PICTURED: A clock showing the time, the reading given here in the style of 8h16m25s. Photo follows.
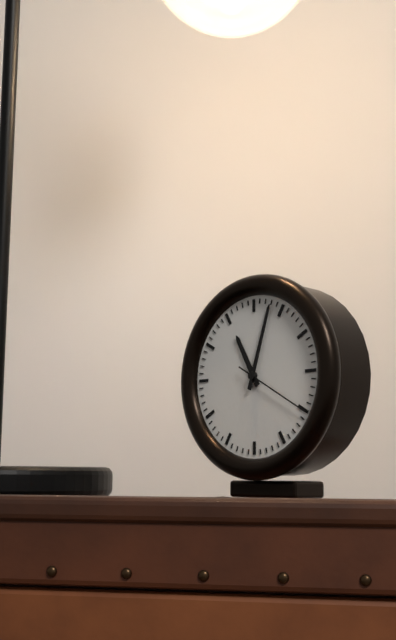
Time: 11h03m20s
